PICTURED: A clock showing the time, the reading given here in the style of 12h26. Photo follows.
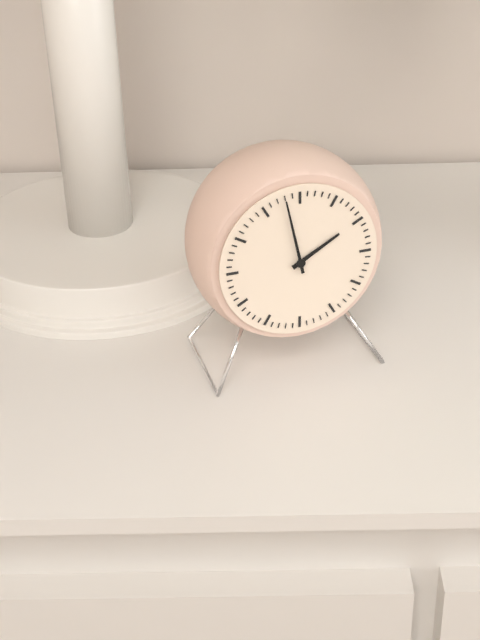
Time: 1h58
